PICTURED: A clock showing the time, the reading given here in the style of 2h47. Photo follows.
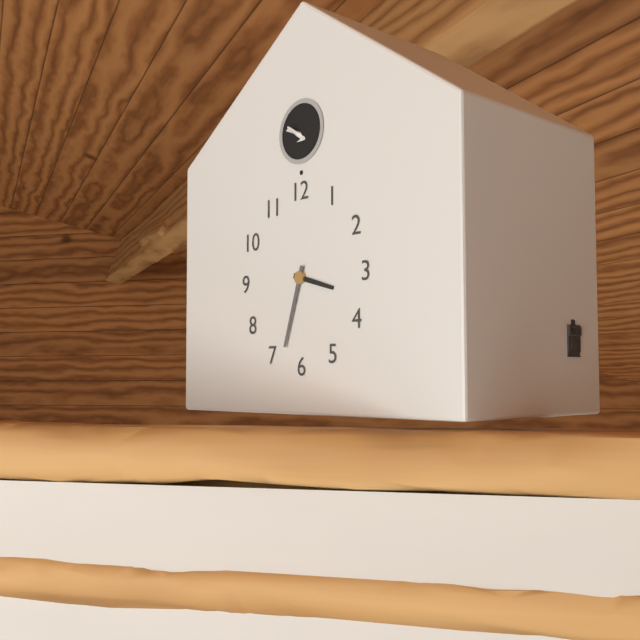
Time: 3h33
